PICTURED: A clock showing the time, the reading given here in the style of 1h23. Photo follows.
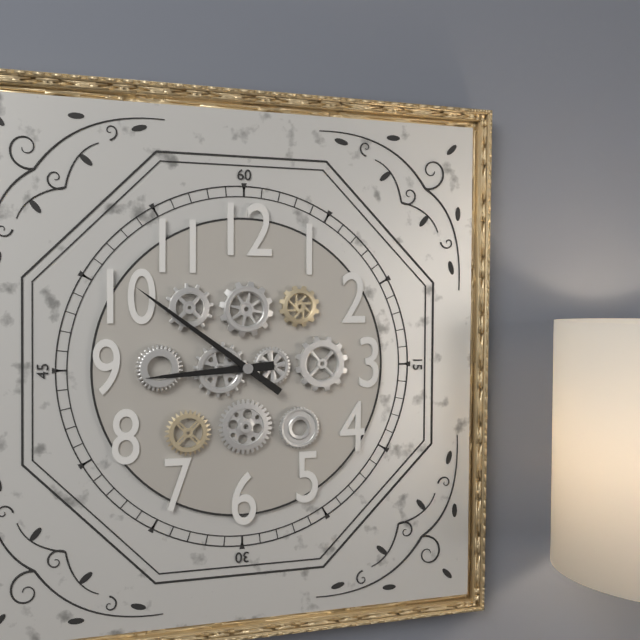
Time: 8h51
